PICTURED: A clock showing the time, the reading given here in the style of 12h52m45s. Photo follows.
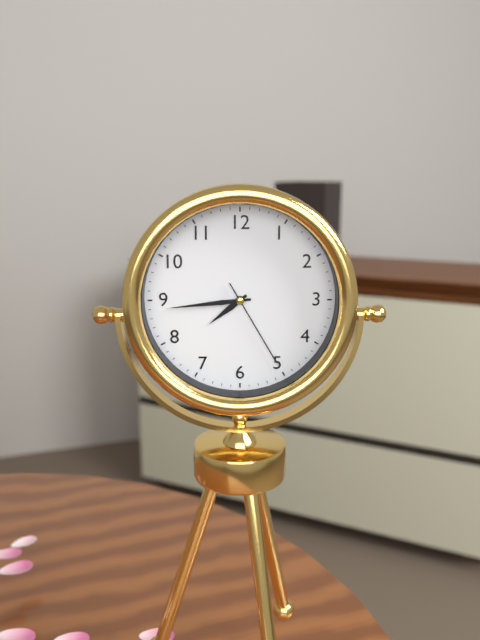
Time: 7h44m25s
